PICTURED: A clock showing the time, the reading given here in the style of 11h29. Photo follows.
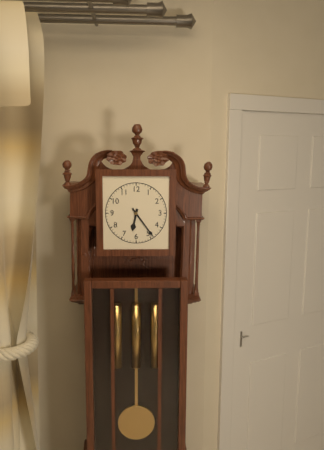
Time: 6h24
